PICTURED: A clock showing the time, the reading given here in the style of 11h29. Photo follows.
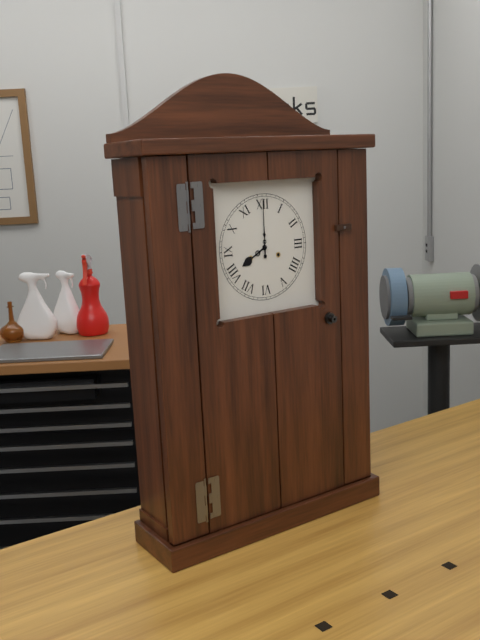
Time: 8h00
